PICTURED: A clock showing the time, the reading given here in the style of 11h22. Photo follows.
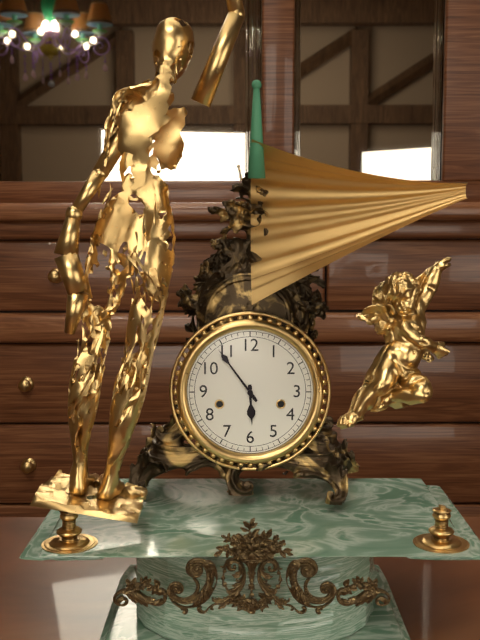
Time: 5h54
